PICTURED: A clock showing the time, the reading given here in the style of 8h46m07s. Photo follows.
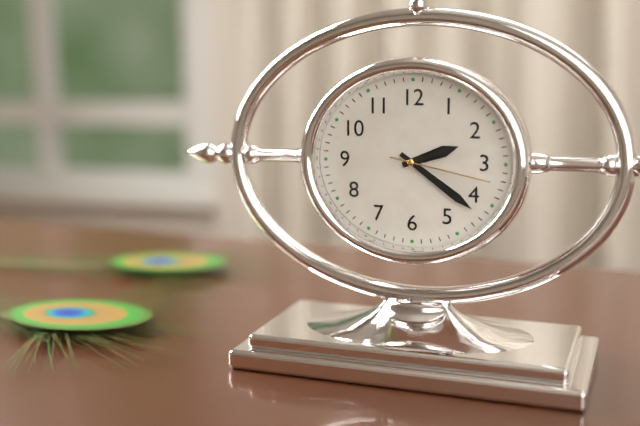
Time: 2h21m17s
